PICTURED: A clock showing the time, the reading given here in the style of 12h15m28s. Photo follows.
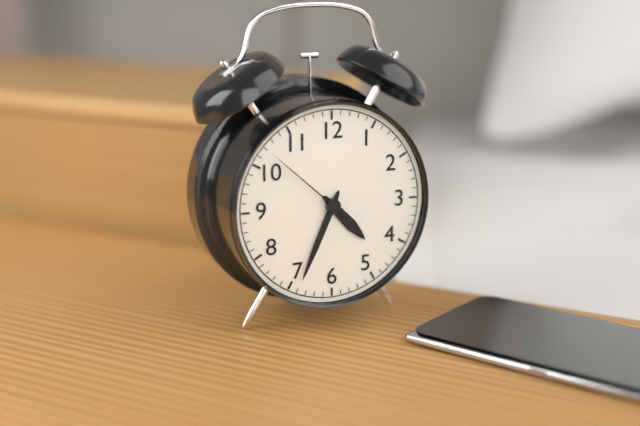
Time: 4h34m52s
